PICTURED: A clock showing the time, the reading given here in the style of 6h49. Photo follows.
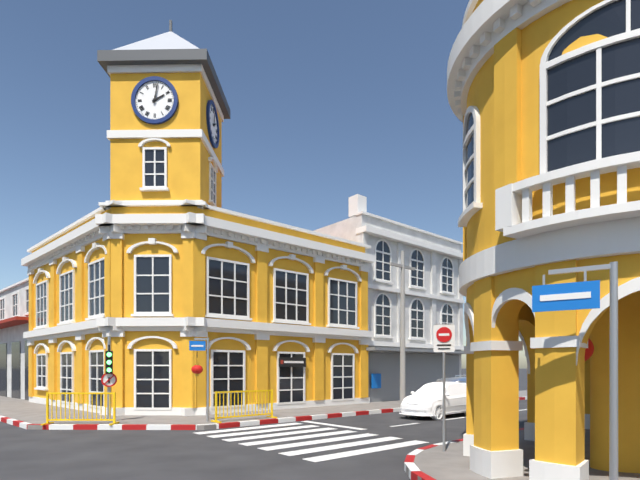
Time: 2h02
